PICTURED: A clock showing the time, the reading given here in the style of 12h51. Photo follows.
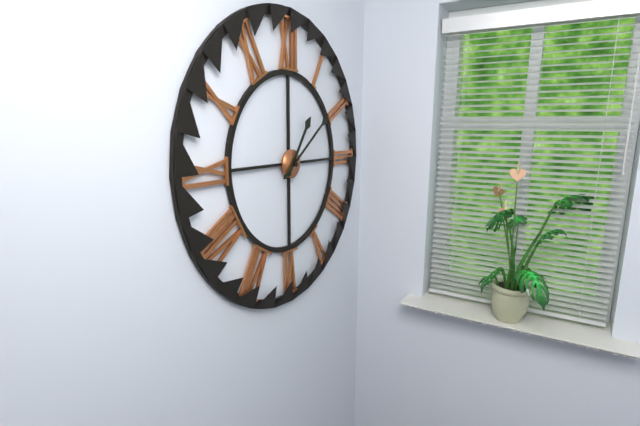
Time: 1h09
